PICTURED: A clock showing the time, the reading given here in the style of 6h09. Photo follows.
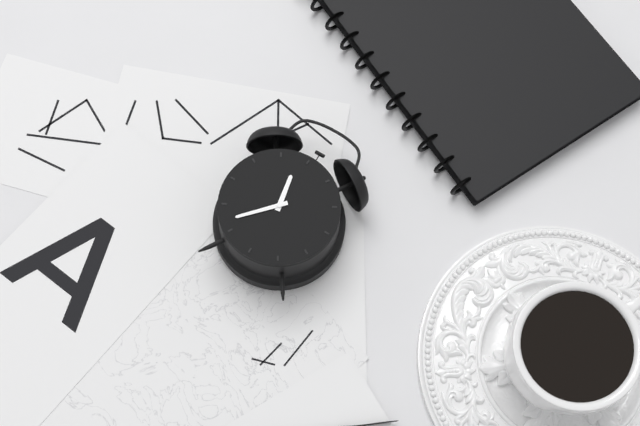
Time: 11h37
